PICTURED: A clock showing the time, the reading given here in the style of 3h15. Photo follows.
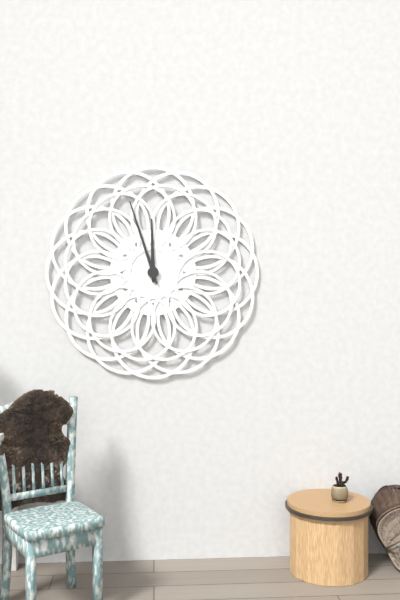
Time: 11h57
